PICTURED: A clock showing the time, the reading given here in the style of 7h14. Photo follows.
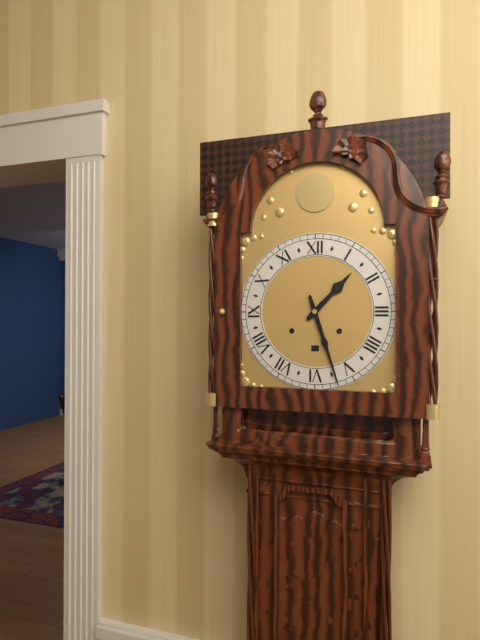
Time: 1h27
